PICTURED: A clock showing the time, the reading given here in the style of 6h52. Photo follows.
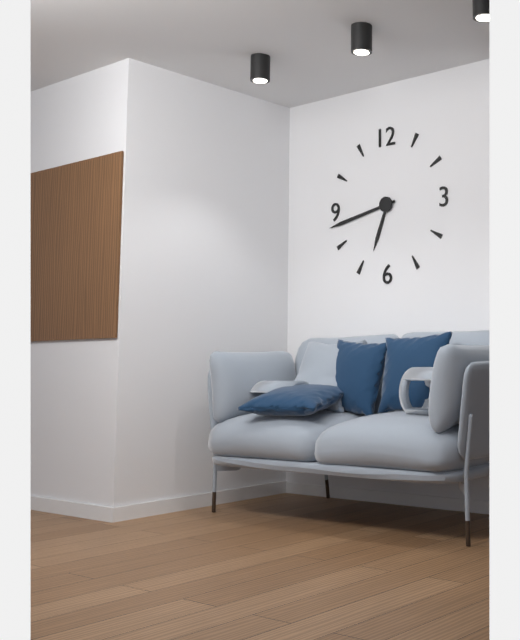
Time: 6h43
